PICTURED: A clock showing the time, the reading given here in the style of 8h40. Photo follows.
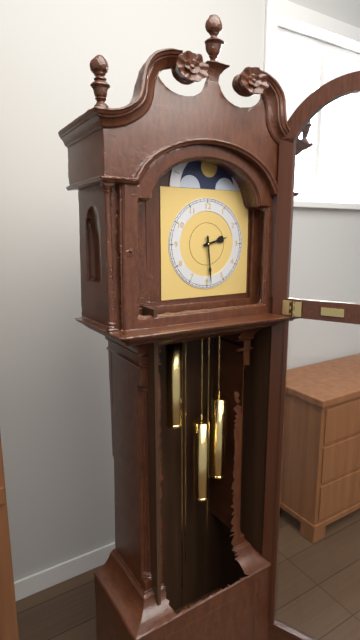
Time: 2h29
